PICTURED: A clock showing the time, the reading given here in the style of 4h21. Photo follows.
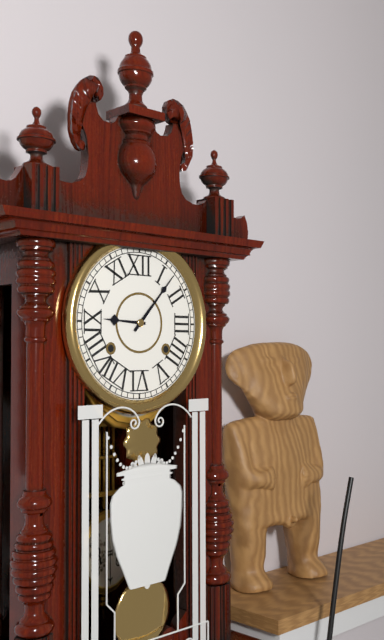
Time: 9h07
